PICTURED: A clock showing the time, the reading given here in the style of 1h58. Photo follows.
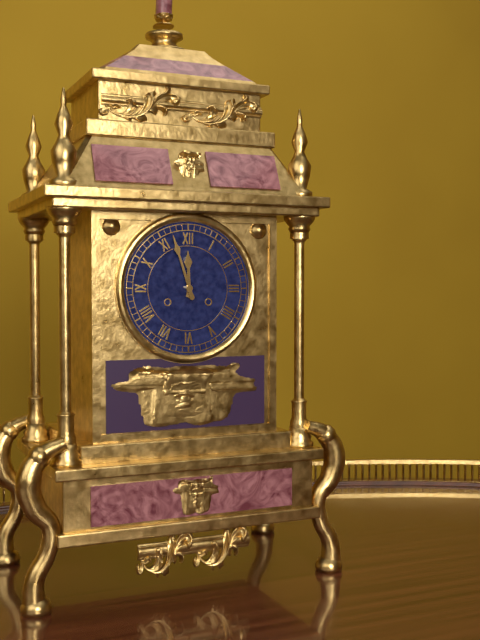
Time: 11h57
